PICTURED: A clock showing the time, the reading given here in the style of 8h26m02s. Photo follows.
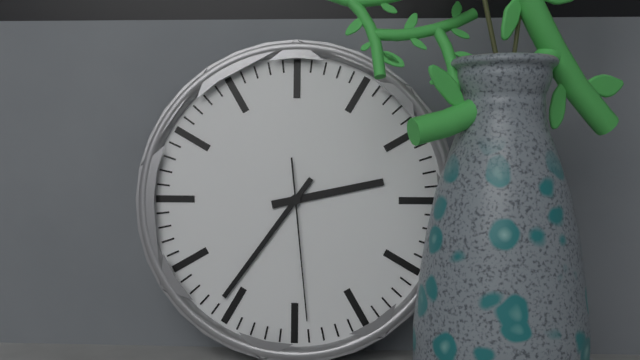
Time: 2h36m29s
